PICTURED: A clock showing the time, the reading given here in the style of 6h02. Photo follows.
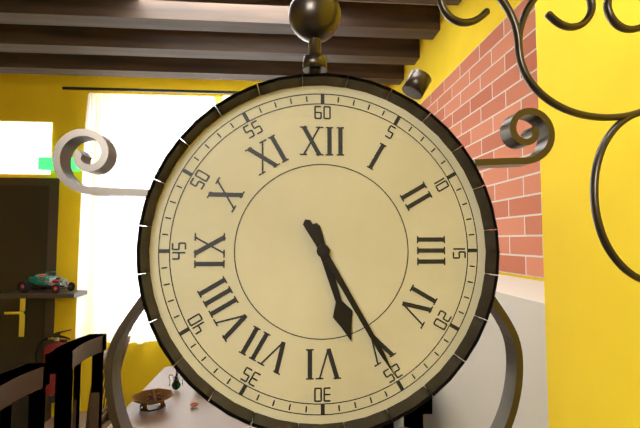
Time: 5h25
